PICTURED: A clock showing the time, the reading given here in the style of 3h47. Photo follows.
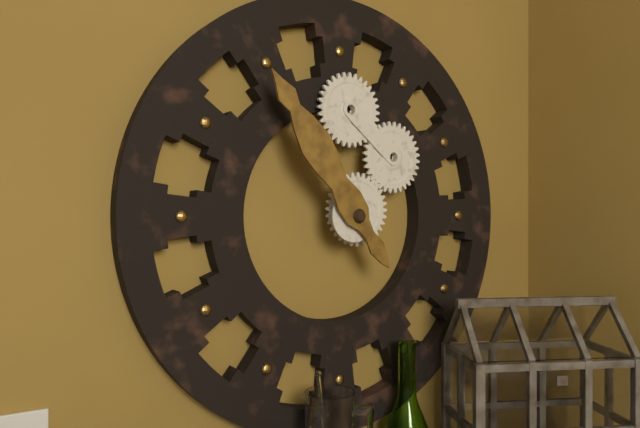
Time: 10h54
